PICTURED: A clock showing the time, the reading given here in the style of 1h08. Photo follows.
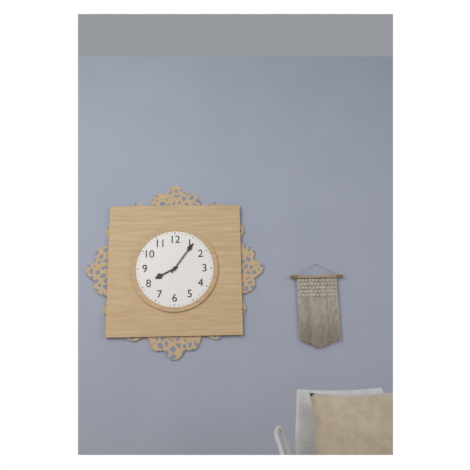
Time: 8h06
